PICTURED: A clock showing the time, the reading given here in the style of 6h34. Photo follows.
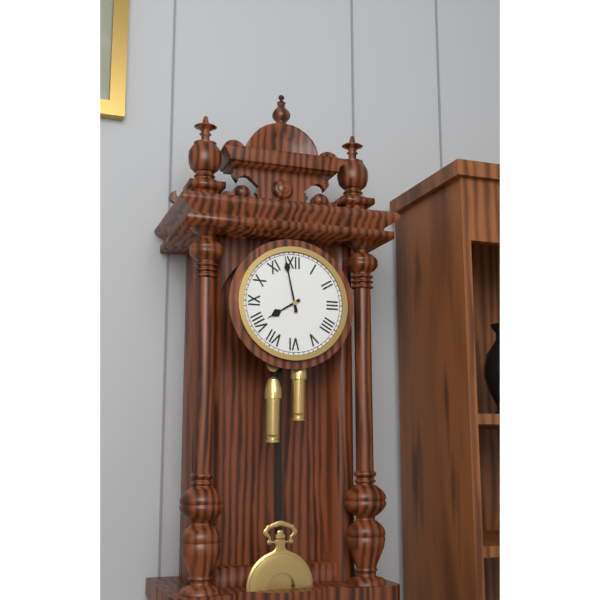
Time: 7h58
